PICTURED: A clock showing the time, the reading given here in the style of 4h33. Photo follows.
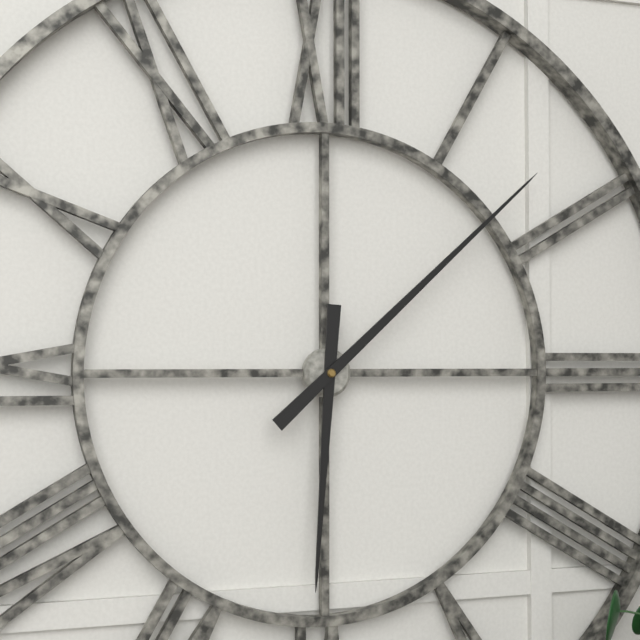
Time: 6h08
